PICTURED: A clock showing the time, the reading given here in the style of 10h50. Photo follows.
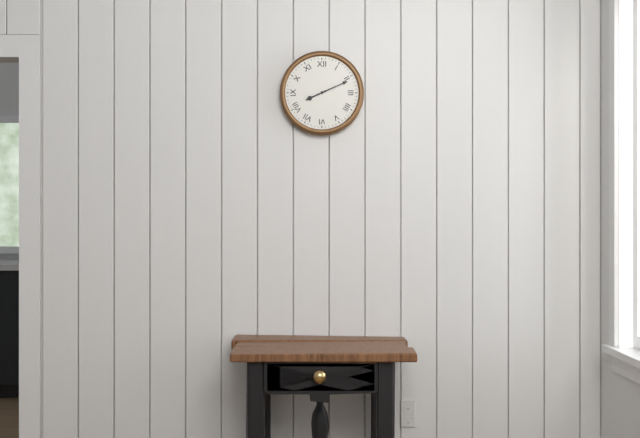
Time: 8h11
